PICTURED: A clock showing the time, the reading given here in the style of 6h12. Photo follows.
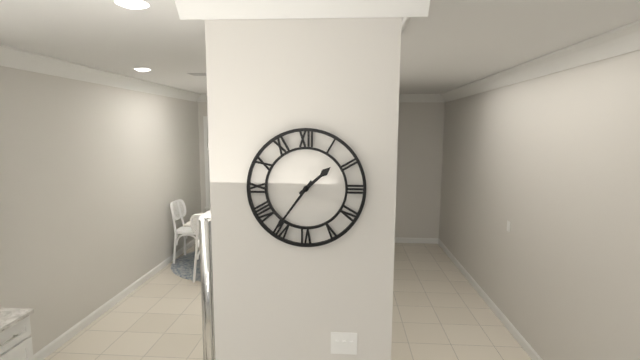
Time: 1h36
